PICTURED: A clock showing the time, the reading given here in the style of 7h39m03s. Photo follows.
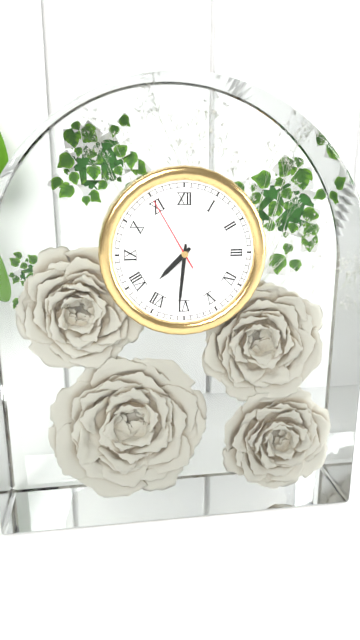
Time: 7h31m55s
